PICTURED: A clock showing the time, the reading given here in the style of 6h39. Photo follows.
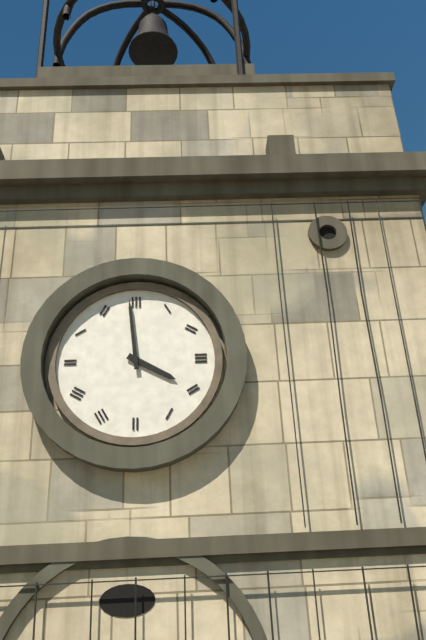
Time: 3h59
